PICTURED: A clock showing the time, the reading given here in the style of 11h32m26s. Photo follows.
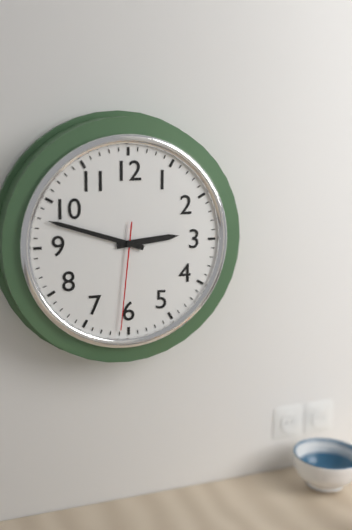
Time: 2h48m31s
